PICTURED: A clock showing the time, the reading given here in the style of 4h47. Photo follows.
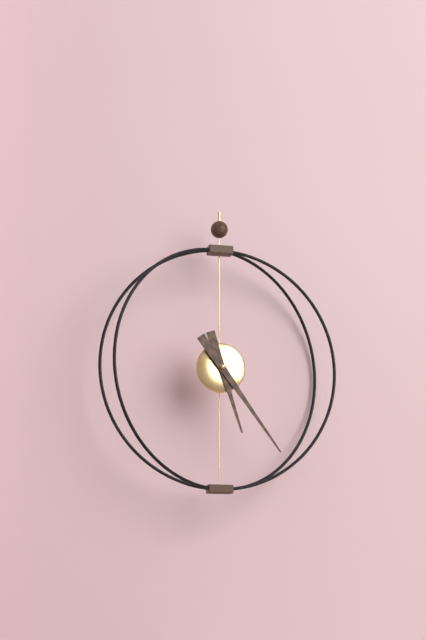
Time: 5h24
